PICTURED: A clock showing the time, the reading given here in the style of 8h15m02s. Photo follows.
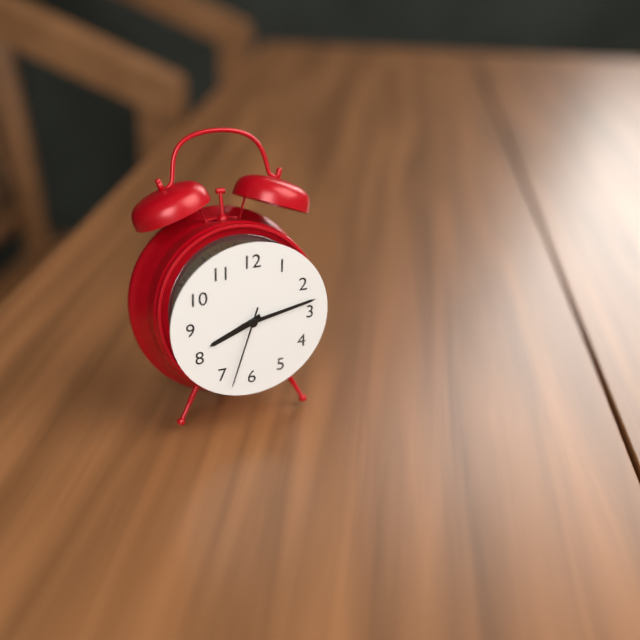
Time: 8h13m33s
